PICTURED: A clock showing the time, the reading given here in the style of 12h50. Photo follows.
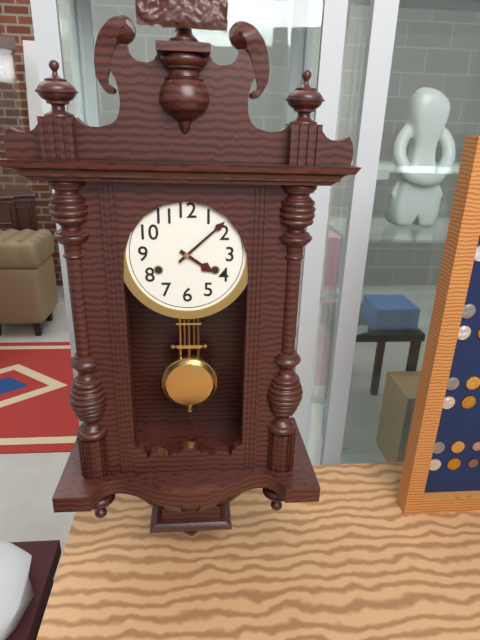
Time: 4h08
